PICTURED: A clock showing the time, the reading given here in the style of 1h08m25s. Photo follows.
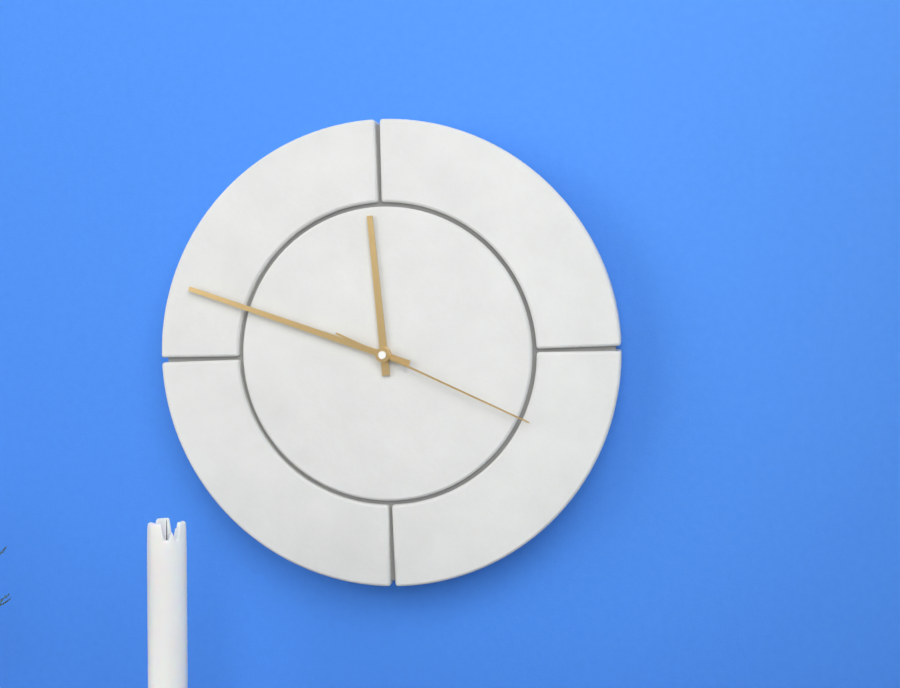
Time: 11h48m19s
